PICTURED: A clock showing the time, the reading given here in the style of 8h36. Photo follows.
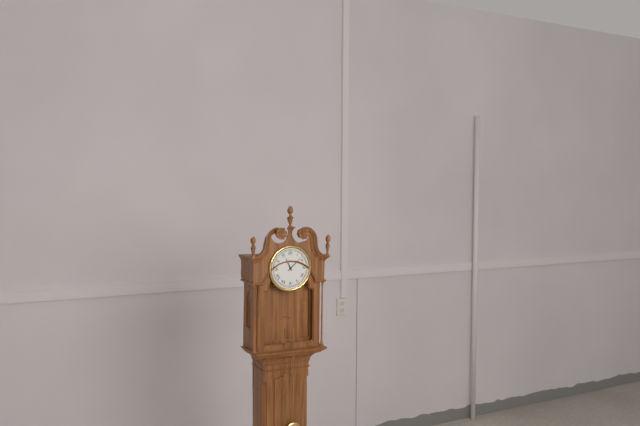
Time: 11h08
